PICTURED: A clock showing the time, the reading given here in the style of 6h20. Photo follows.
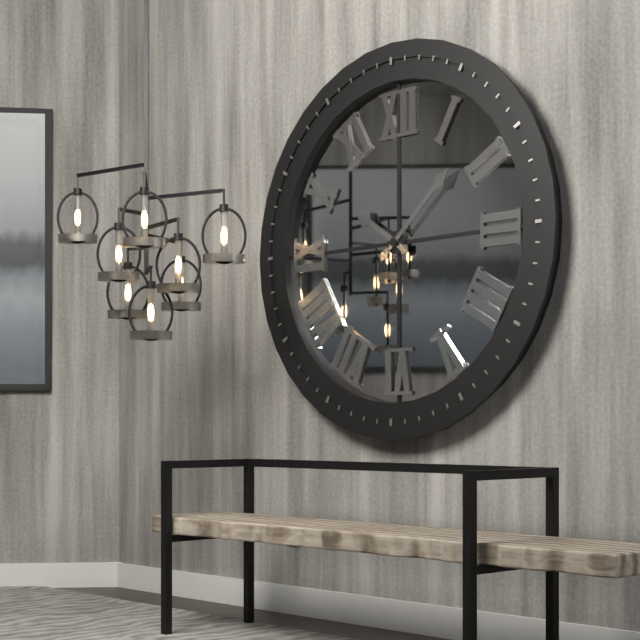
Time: 10h08
